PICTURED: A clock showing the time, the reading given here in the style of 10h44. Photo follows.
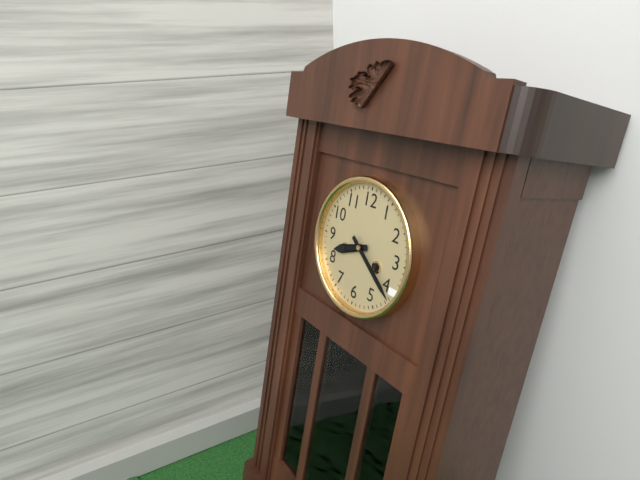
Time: 8h21
